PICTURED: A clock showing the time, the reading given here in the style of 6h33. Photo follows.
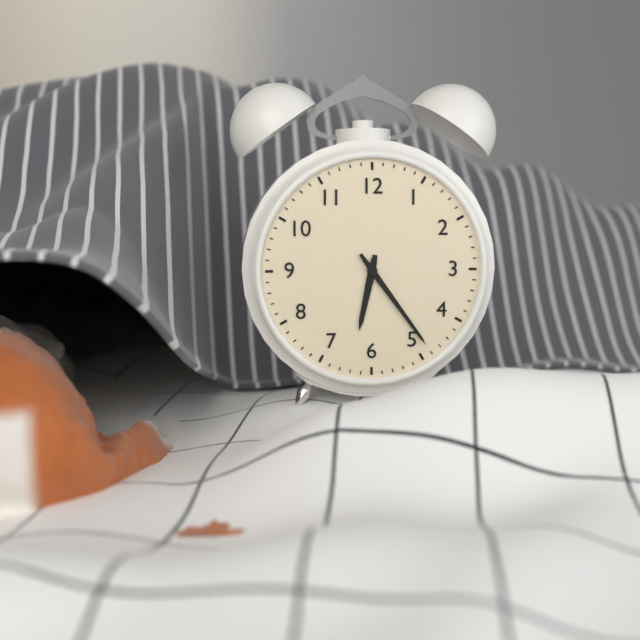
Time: 6h24
